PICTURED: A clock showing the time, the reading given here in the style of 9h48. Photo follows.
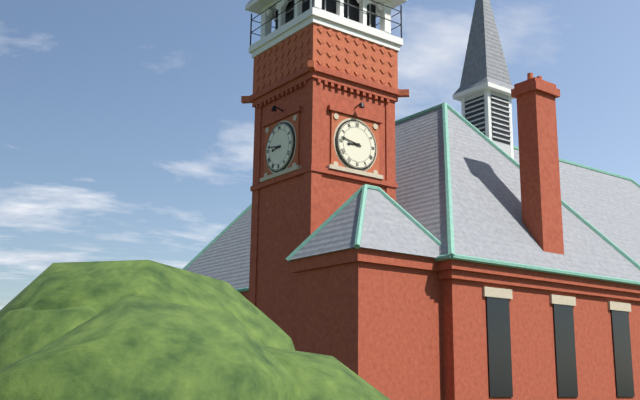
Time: 8h47
